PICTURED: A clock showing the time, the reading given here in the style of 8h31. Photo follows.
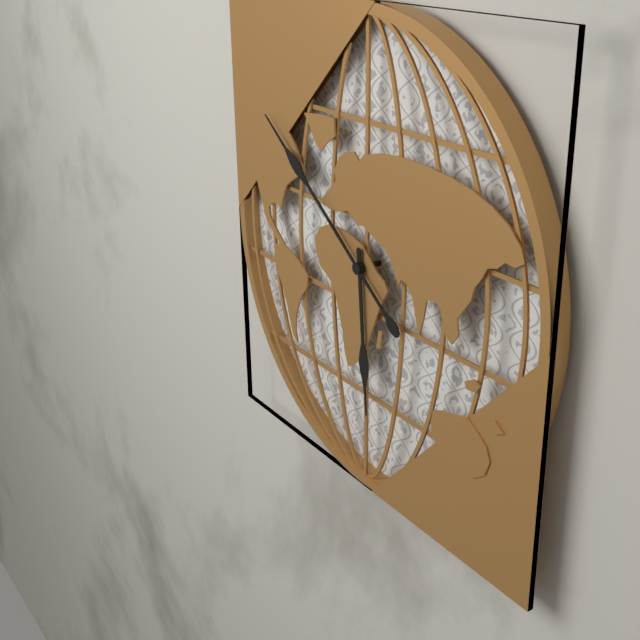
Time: 5h51
